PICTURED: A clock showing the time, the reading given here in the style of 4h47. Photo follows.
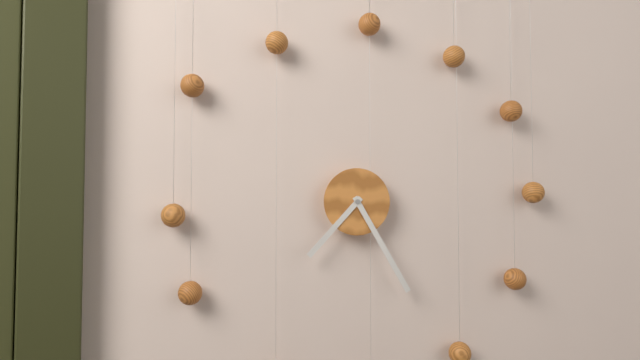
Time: 7h25
